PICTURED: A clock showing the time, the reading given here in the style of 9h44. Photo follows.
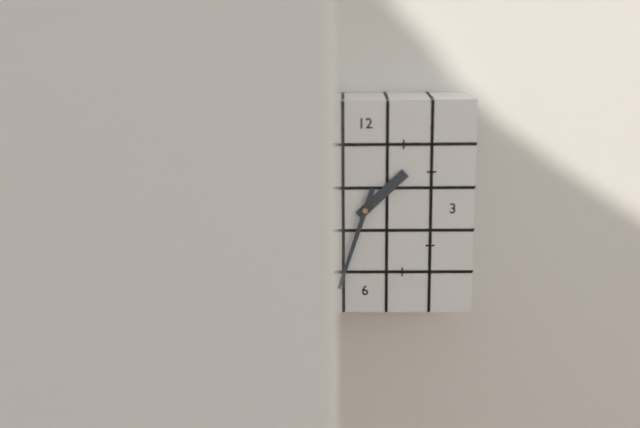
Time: 1h33
